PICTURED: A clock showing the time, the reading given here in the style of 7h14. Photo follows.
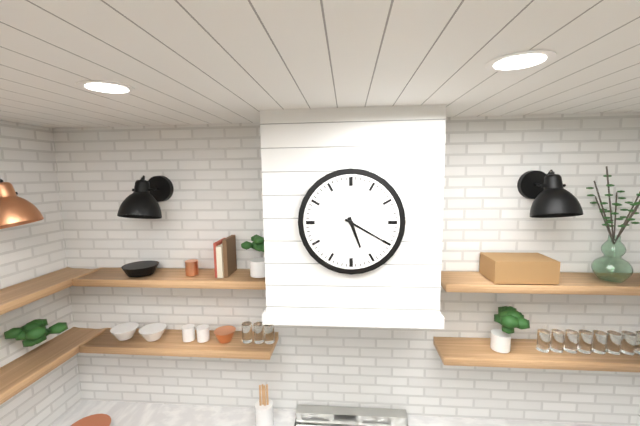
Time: 5h20
